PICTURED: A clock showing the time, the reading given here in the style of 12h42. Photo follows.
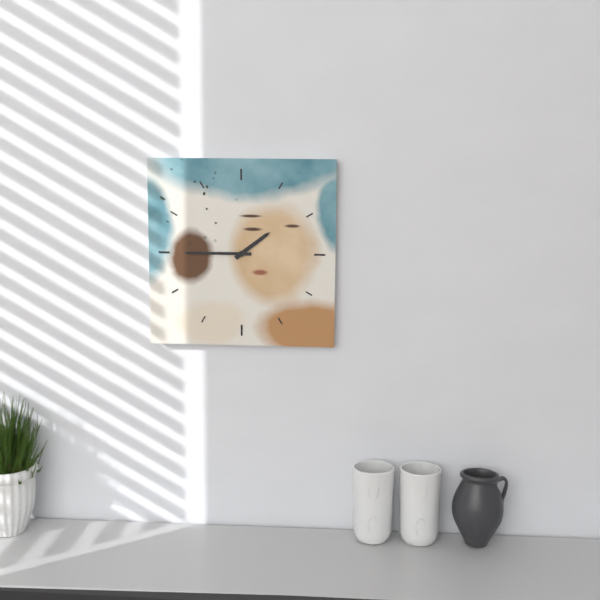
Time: 1h45
